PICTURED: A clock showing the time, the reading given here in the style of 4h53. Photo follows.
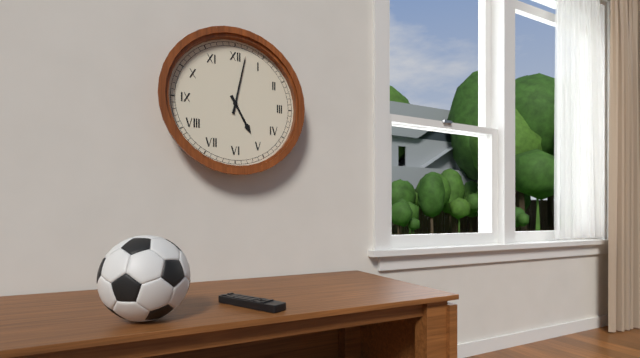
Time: 5h02
